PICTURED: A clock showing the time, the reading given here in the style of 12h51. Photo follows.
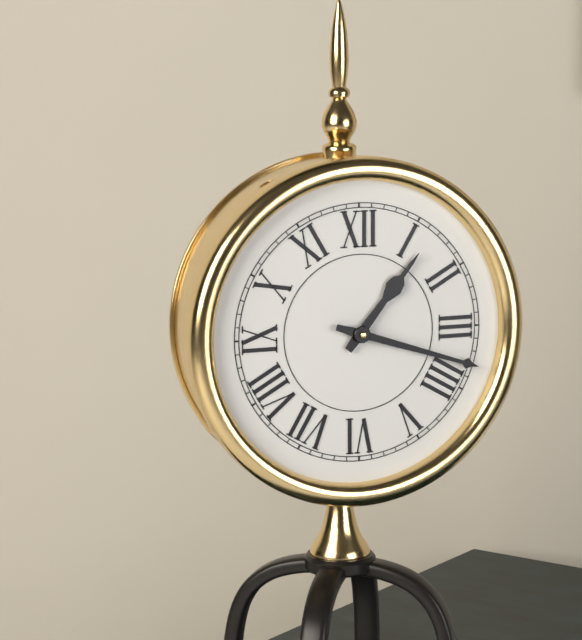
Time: 1h18
